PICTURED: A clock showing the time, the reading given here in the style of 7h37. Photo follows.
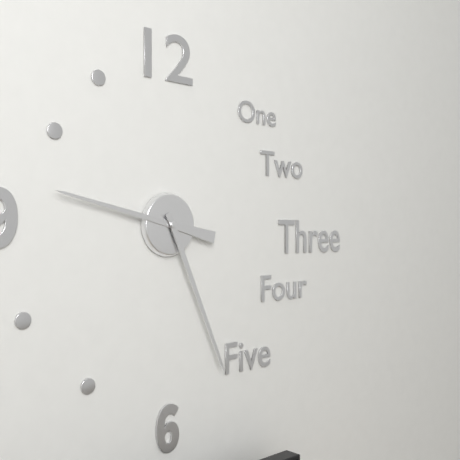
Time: 9h26
